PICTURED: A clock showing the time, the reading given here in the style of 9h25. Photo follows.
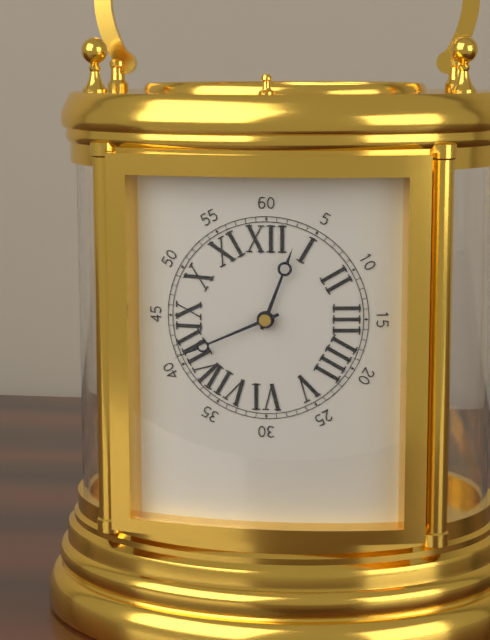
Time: 12h41
